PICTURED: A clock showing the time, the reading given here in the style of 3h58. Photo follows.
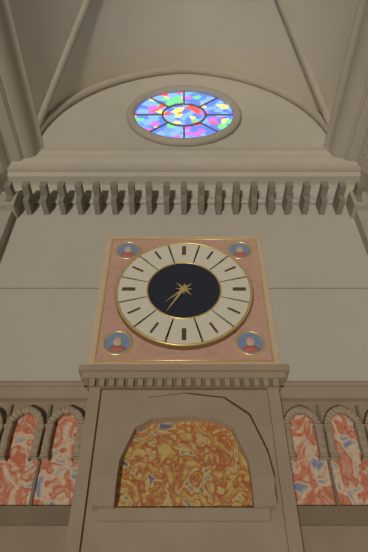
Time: 7h35
